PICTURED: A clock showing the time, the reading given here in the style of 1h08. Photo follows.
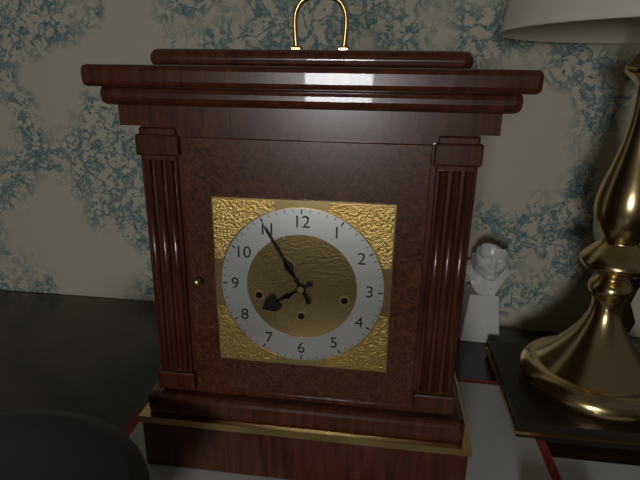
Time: 7h55
